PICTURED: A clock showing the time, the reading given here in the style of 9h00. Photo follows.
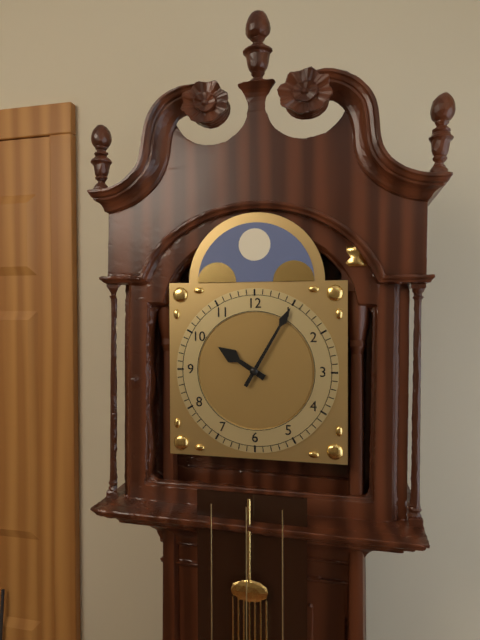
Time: 10h05
